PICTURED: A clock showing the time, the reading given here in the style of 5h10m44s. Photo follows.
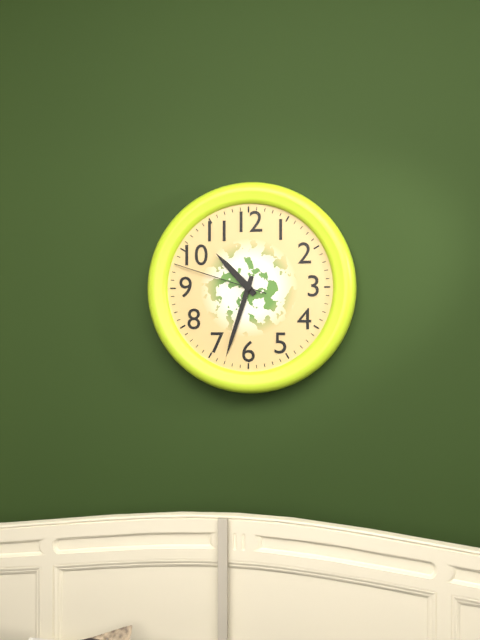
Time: 10h33m48s
